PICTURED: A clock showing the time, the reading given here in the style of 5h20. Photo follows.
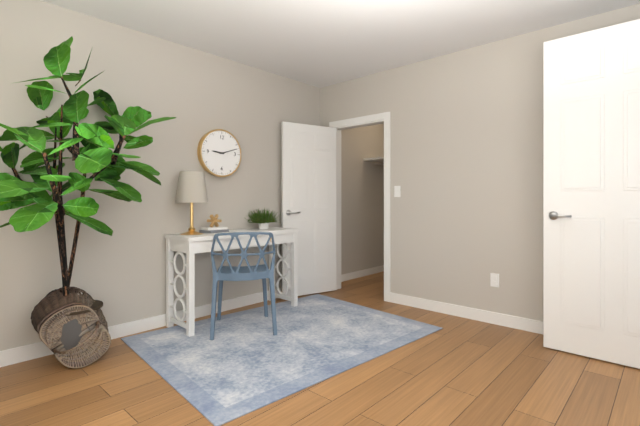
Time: 9h12
